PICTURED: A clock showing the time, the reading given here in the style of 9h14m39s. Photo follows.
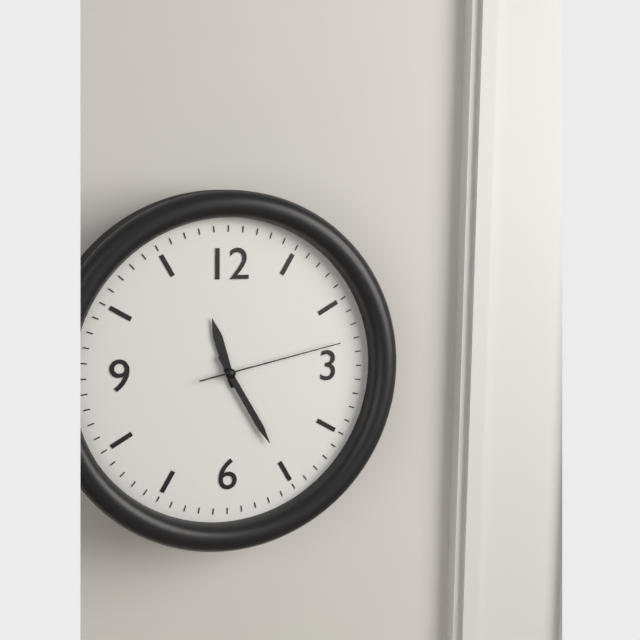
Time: 11h25m13s
